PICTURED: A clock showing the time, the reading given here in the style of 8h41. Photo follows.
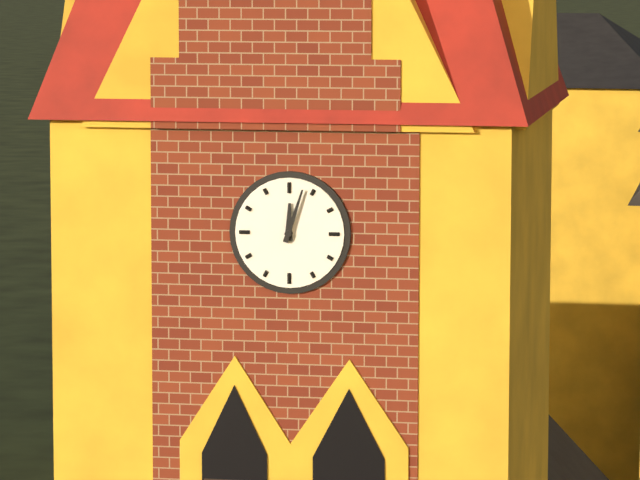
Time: 12h03
